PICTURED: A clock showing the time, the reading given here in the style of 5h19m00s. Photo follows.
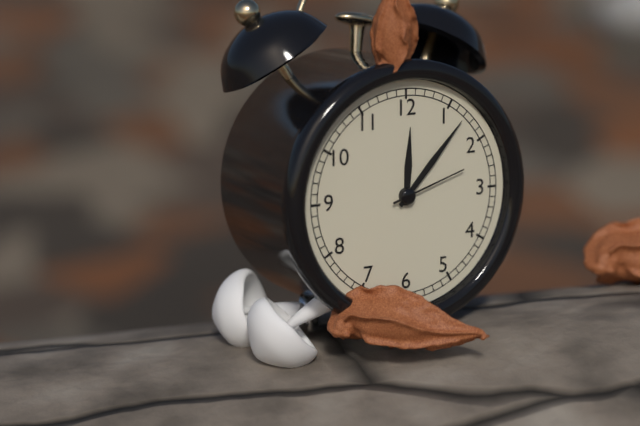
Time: 12h07m12s
